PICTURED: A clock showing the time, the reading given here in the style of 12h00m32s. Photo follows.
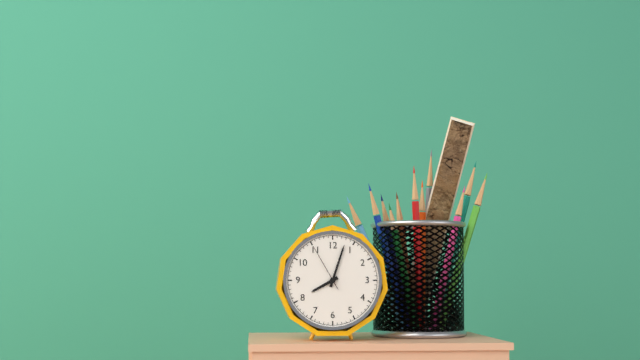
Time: 8h03m55s
